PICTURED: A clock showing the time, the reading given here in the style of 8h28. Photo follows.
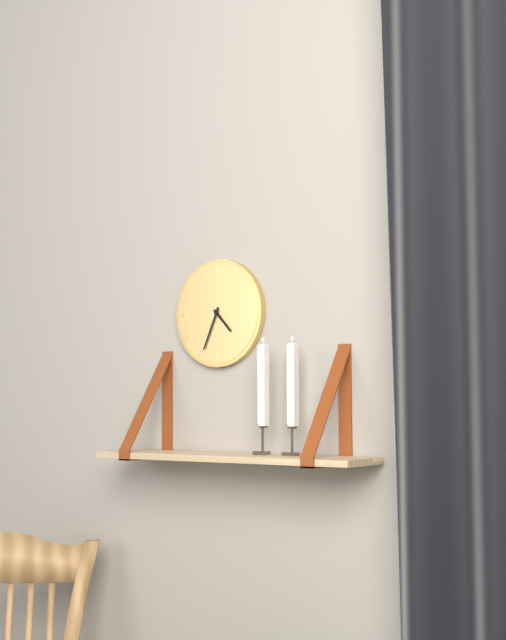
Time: 4h34
